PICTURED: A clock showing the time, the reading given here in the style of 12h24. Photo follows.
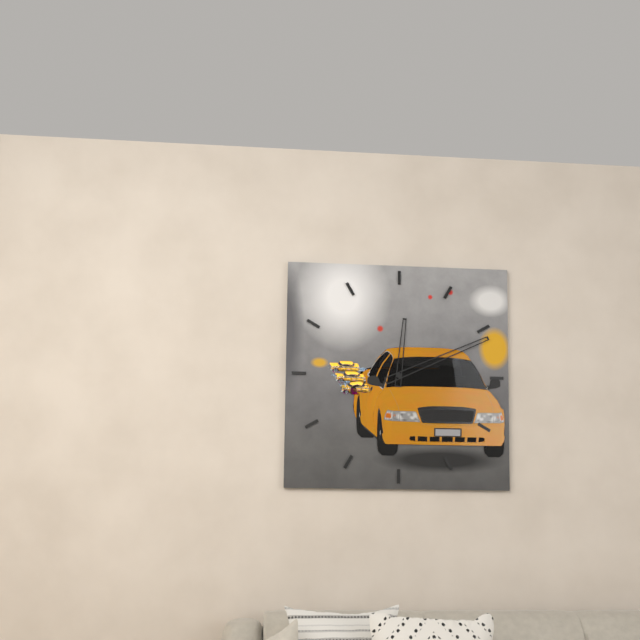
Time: 12h11
